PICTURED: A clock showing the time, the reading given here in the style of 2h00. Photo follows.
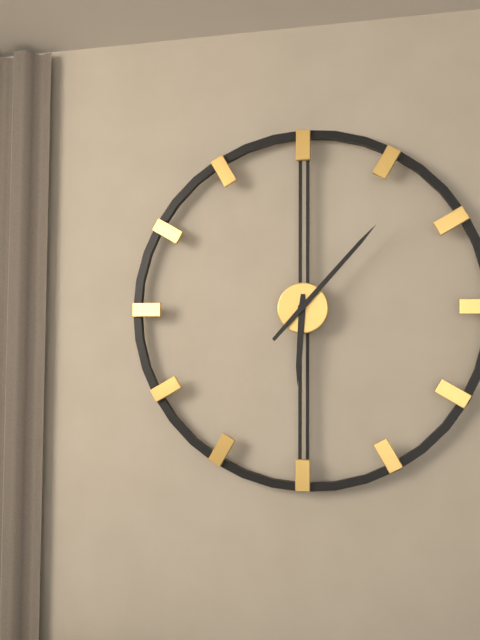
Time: 6h07
